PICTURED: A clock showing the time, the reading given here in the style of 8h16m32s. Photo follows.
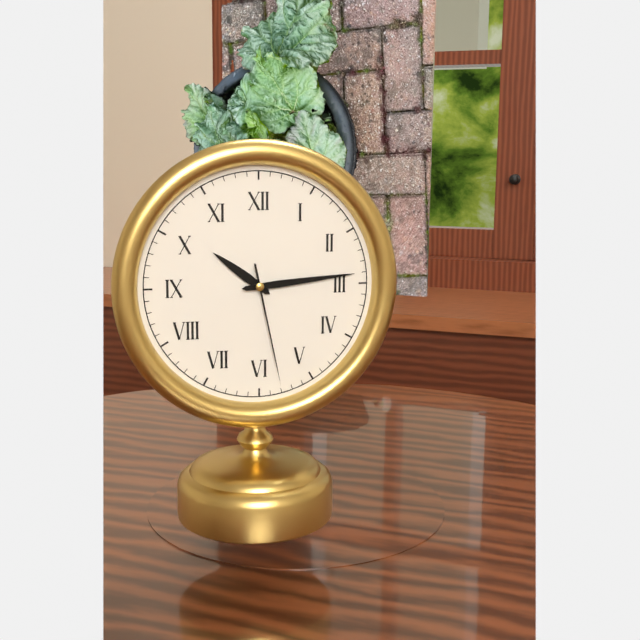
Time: 10h14m28s
